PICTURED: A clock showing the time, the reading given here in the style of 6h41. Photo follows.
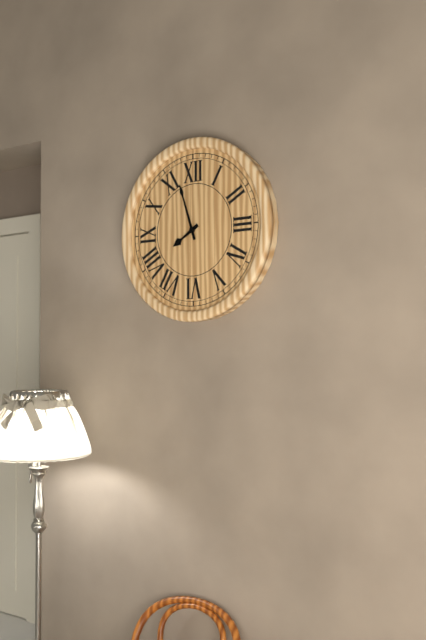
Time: 7h57
